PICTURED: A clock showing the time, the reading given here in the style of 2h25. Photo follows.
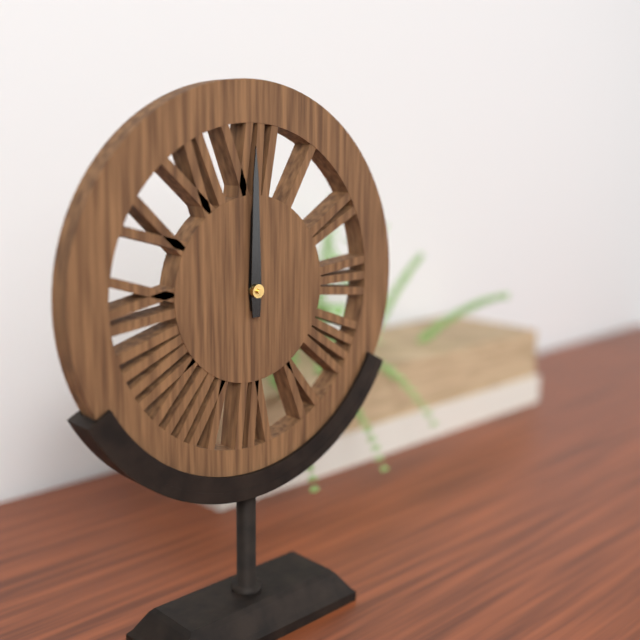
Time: 12h00
